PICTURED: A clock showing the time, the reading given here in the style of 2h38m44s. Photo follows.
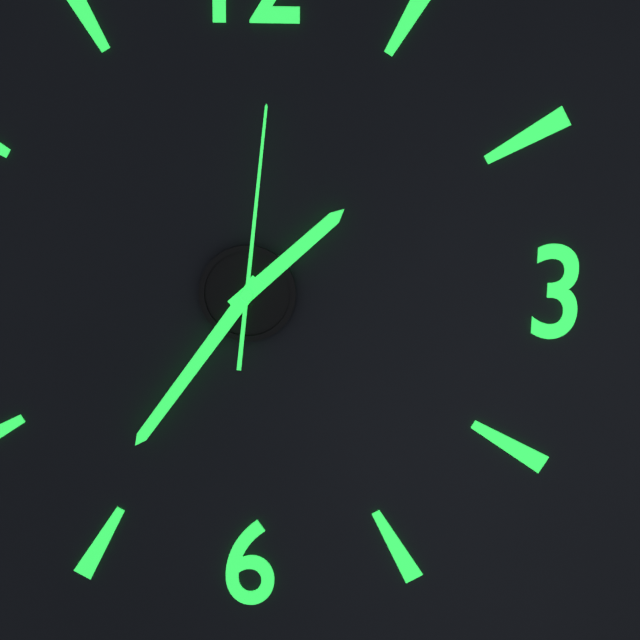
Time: 1h36m01s
